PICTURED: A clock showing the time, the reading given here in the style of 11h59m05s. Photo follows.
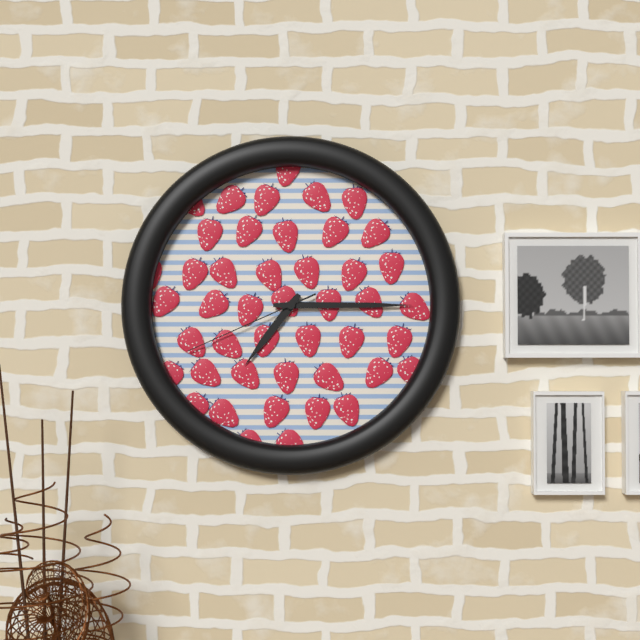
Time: 7h15m41s
